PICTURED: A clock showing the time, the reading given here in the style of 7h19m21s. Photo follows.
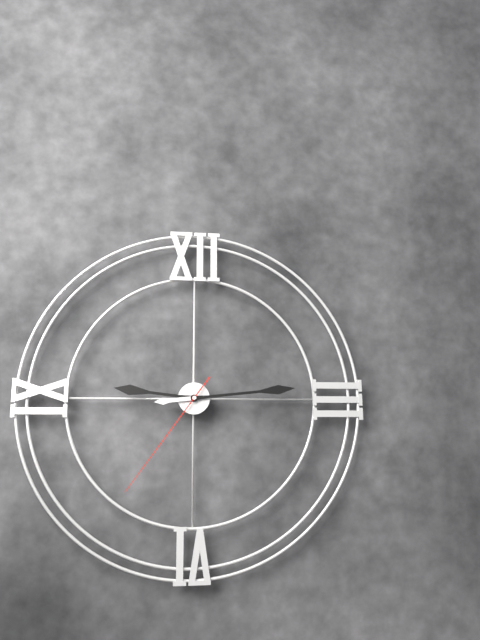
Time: 9h14m36s
